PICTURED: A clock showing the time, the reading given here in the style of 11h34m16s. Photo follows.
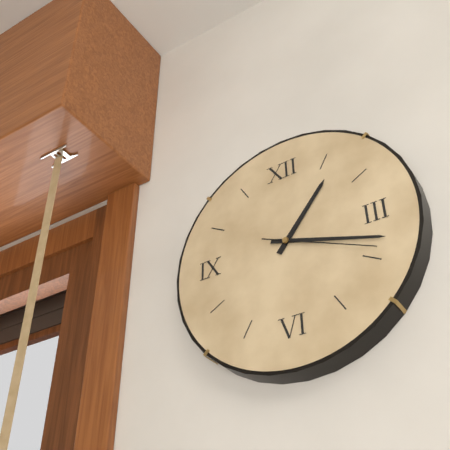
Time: 1h18m19s
